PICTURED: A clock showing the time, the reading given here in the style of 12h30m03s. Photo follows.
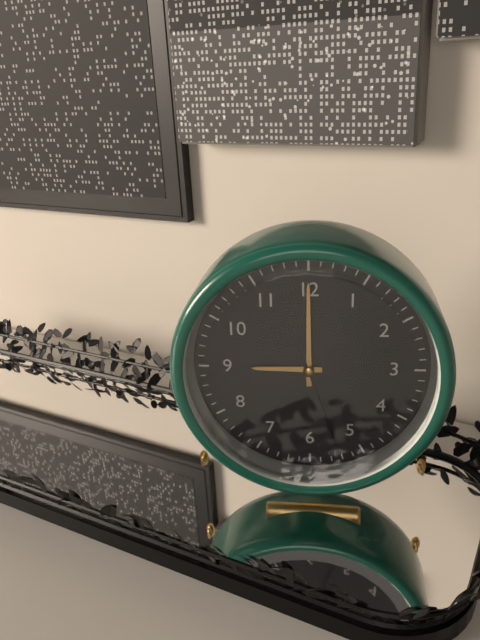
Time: 9h00m27s
